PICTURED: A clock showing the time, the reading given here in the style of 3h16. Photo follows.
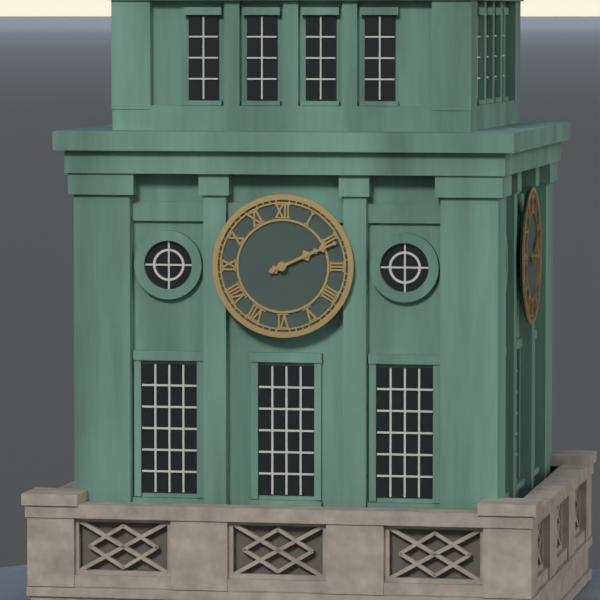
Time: 2h11
